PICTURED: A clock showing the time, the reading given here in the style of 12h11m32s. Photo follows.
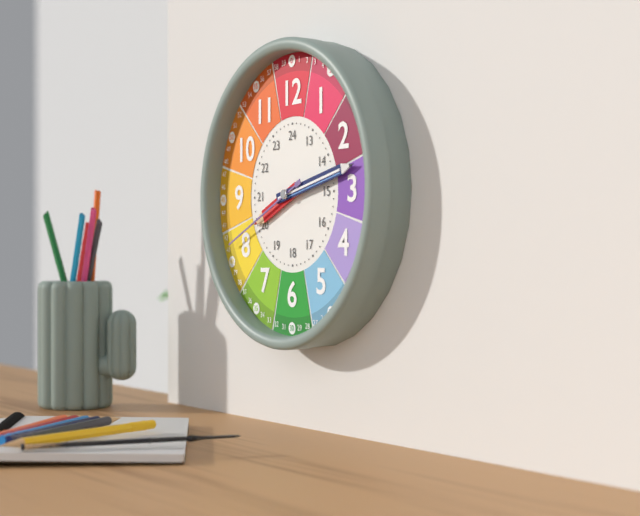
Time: 8h13m41s
